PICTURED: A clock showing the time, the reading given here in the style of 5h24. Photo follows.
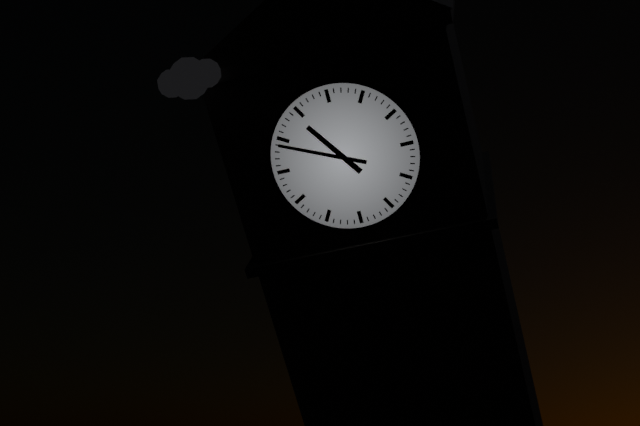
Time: 10h49
